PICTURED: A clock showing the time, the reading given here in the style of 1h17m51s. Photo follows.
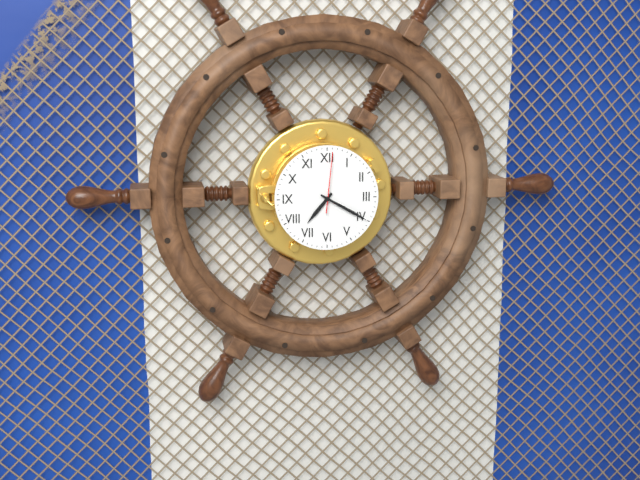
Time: 7h20m01s
